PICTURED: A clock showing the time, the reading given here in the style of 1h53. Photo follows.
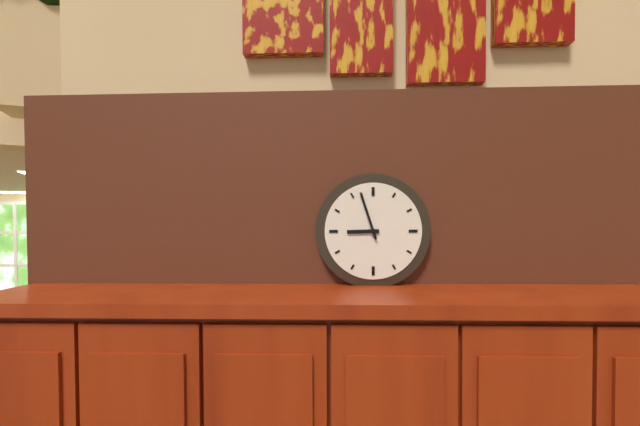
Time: 8h57
